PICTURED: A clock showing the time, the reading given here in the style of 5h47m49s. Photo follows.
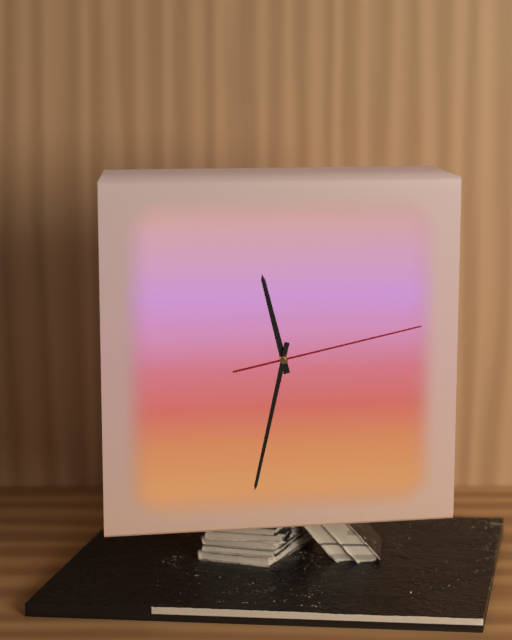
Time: 11h32m13s
